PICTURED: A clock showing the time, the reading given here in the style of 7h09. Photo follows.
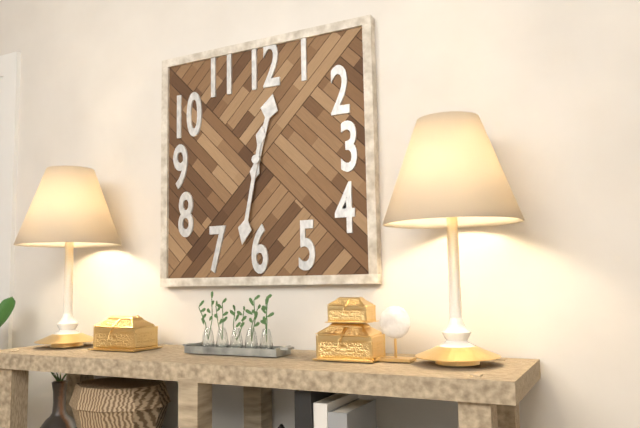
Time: 12h32
